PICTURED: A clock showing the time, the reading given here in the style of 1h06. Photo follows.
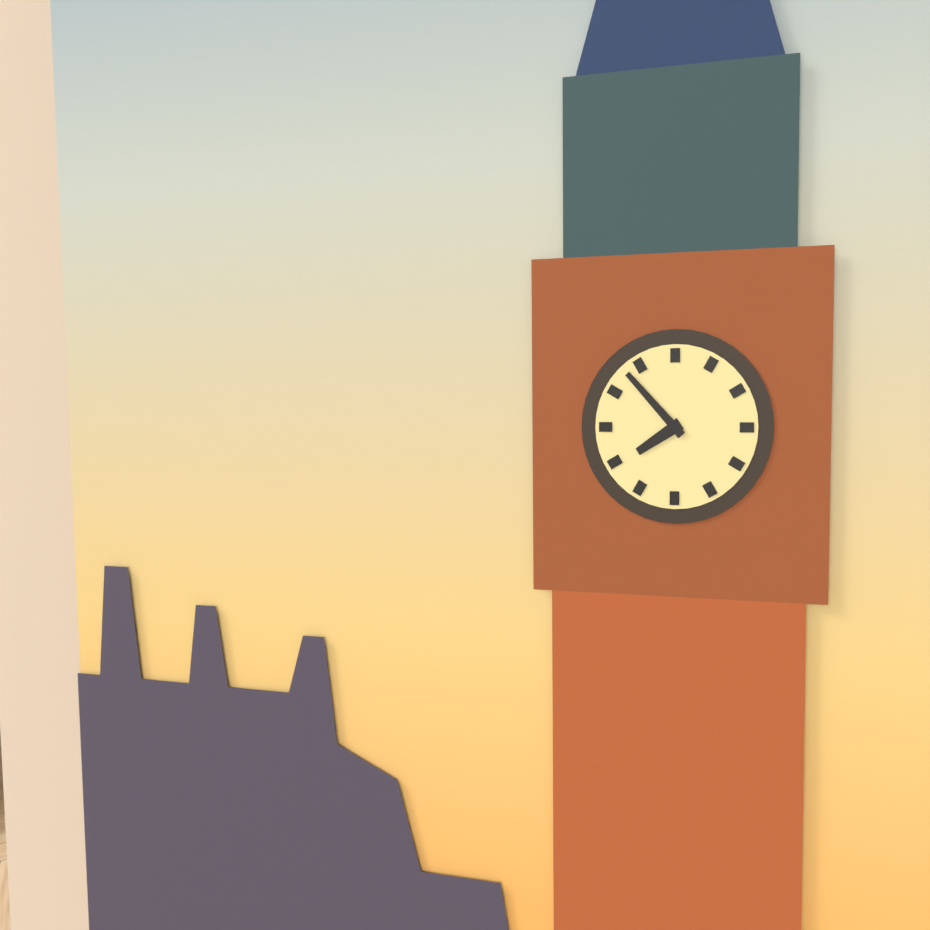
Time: 7h53
